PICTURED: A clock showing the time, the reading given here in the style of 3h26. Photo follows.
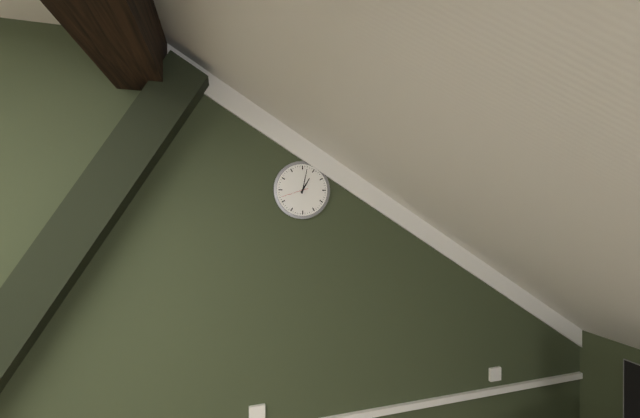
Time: 1h02
